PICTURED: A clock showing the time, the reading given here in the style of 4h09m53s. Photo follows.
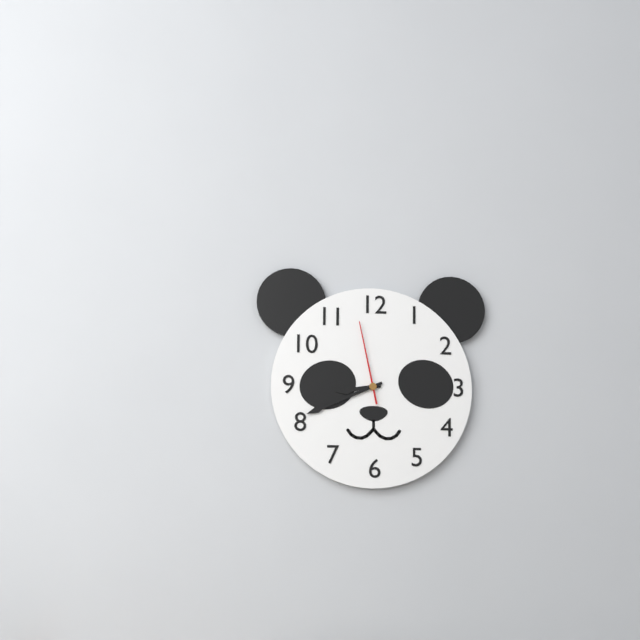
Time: 8h41m58s
